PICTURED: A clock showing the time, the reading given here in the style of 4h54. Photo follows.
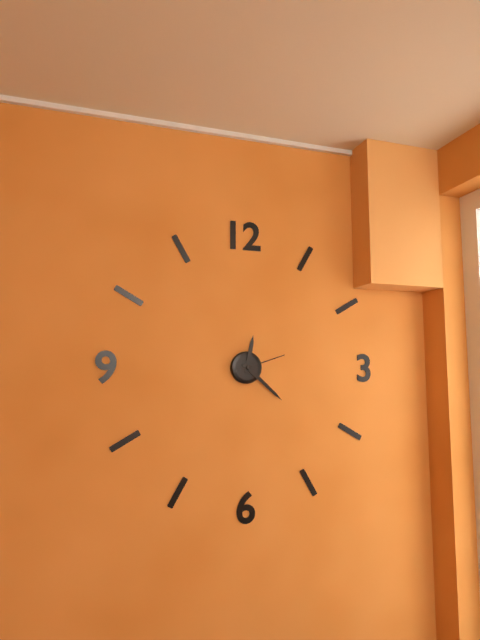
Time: 12h22
